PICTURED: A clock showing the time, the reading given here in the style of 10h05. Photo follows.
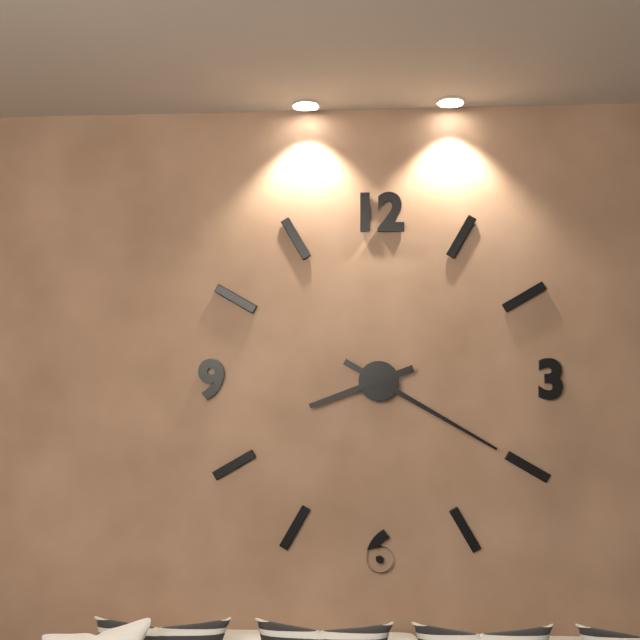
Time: 8h20
